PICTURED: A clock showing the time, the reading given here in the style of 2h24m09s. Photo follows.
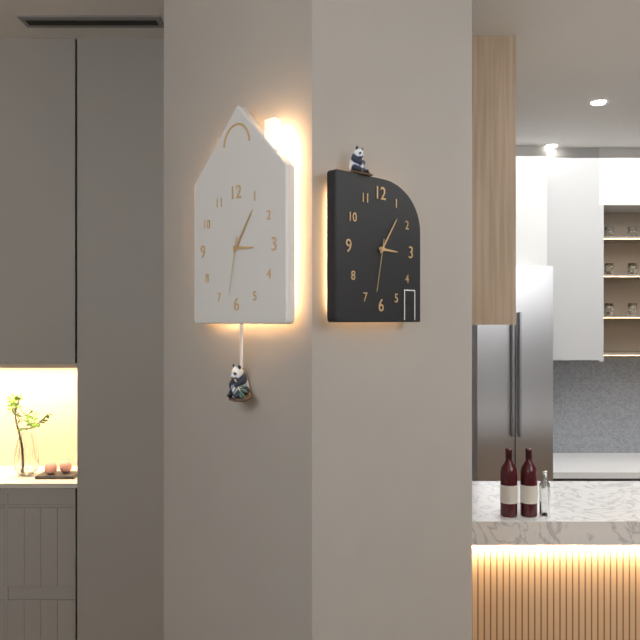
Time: 3h06m32s
